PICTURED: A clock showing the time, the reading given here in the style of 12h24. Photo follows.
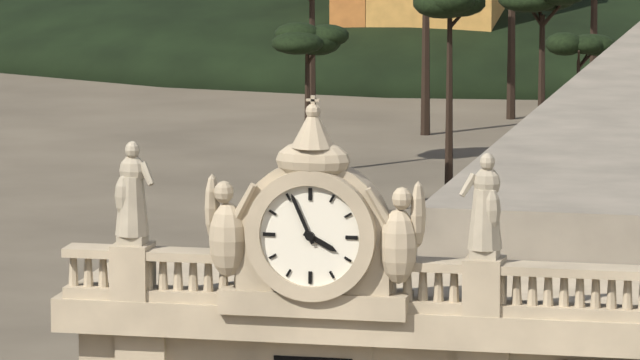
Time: 3h56
